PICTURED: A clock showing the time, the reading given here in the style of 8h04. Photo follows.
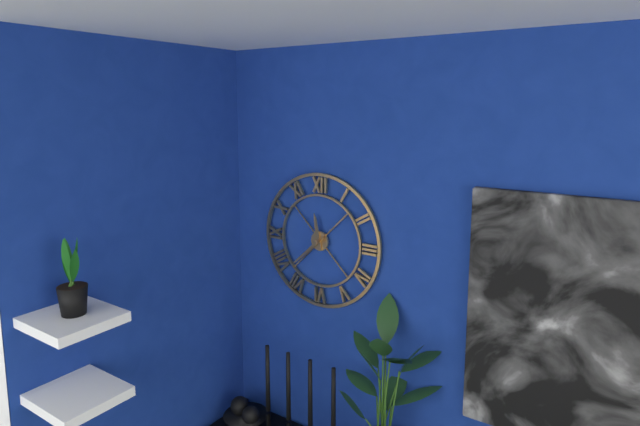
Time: 11h38
